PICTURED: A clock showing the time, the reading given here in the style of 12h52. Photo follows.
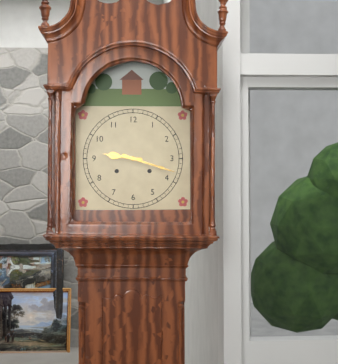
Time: 9h18
